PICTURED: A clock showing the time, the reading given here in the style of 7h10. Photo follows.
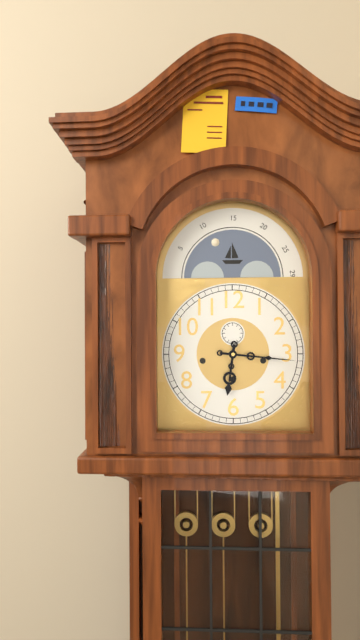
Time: 6h16
